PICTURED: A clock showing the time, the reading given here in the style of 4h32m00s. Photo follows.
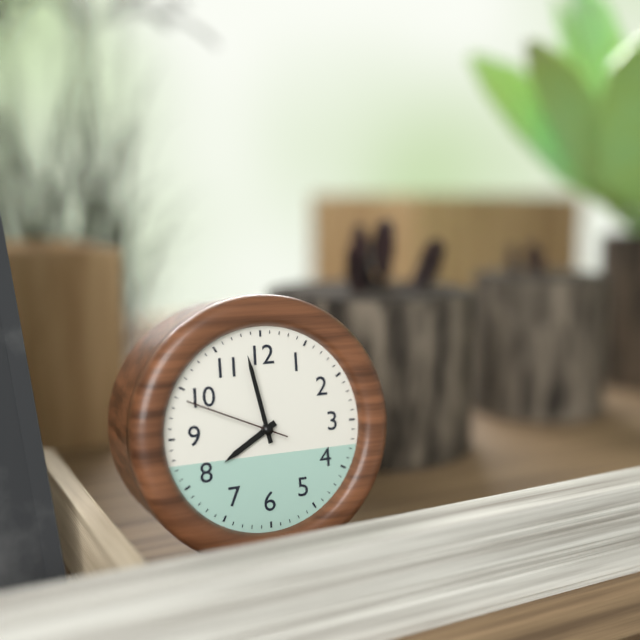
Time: 7h58m49s
